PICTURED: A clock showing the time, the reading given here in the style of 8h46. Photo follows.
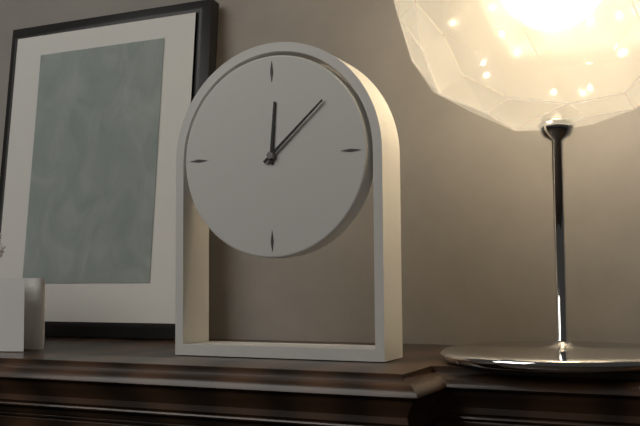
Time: 12h08
